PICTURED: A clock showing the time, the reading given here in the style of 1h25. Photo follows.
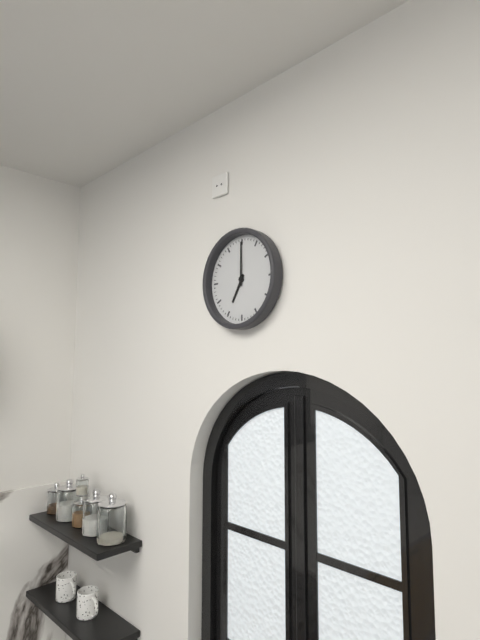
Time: 7h00
